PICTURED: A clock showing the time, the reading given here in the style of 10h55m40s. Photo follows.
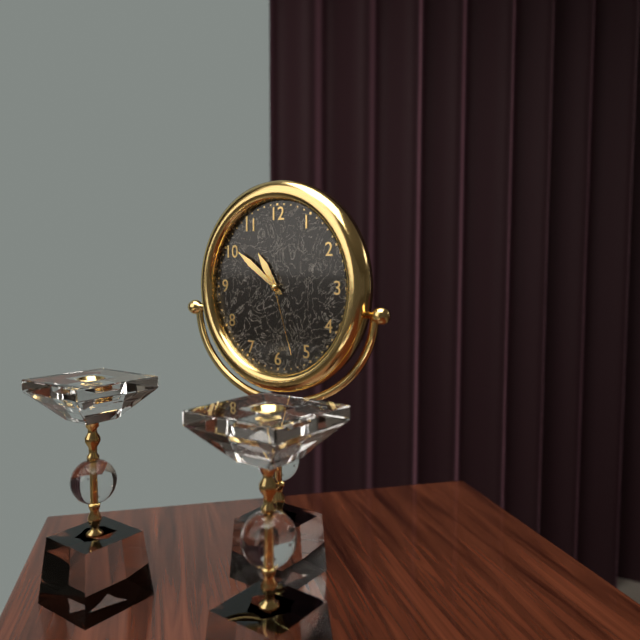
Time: 10h51m27s
